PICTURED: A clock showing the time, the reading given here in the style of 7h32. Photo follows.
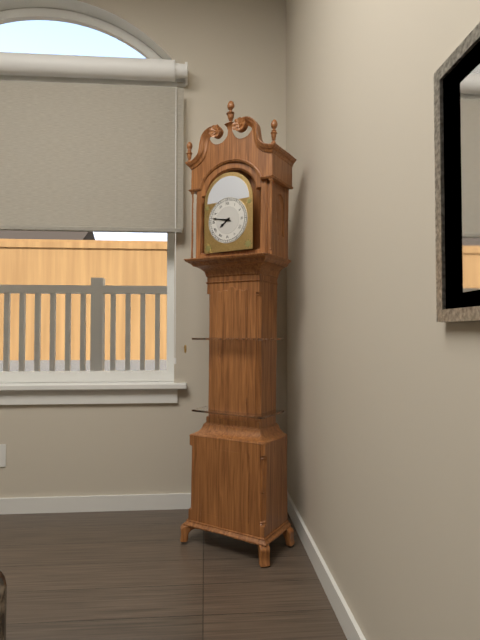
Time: 7h47
